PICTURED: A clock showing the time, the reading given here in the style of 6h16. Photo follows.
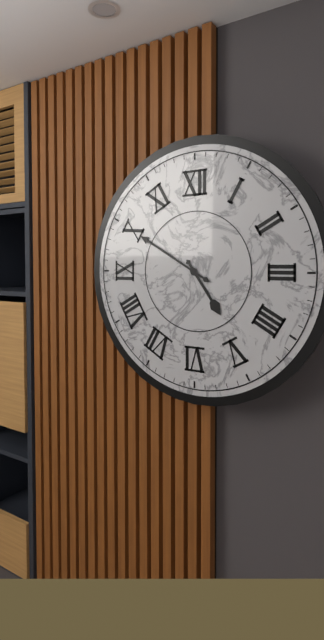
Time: 4h50
